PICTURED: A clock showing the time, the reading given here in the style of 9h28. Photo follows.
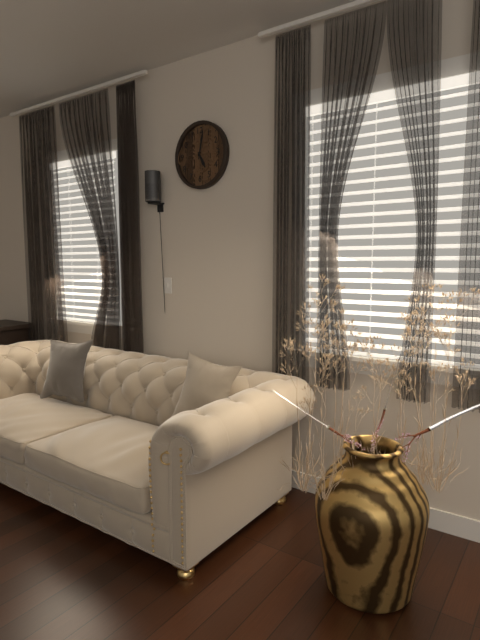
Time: 5h02
